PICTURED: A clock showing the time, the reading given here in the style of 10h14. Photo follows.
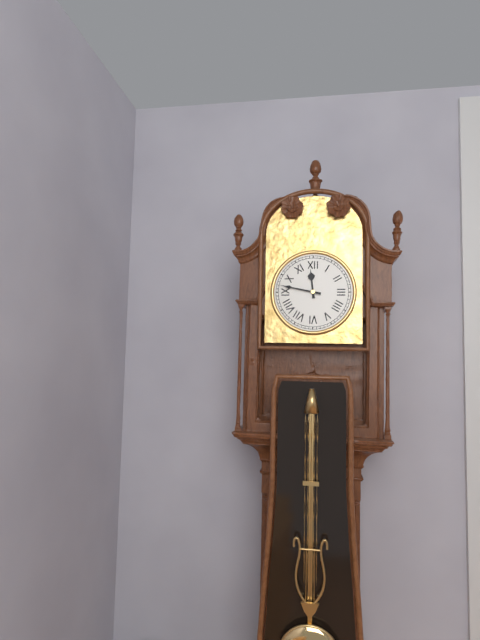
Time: 11h47
